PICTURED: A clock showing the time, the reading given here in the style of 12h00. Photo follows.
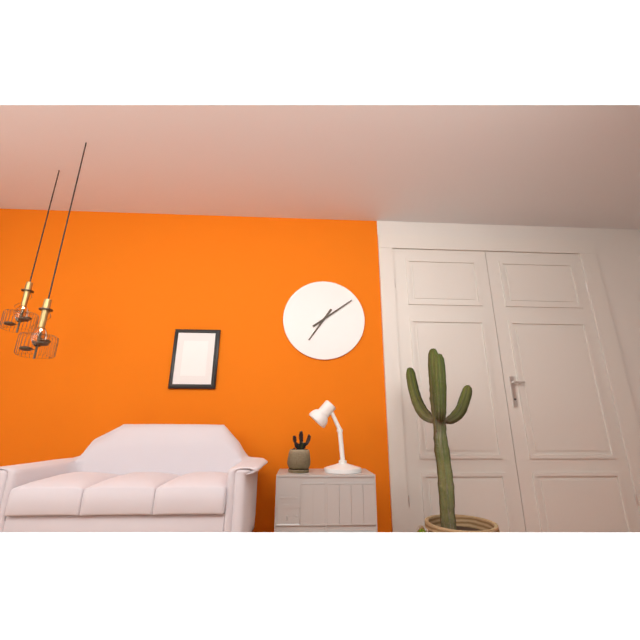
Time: 7h09
